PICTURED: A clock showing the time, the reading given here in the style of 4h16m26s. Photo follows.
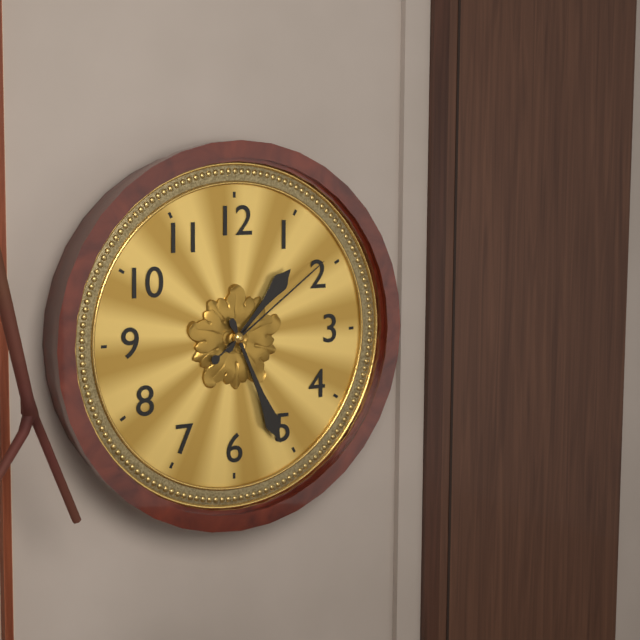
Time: 1h26m09s
